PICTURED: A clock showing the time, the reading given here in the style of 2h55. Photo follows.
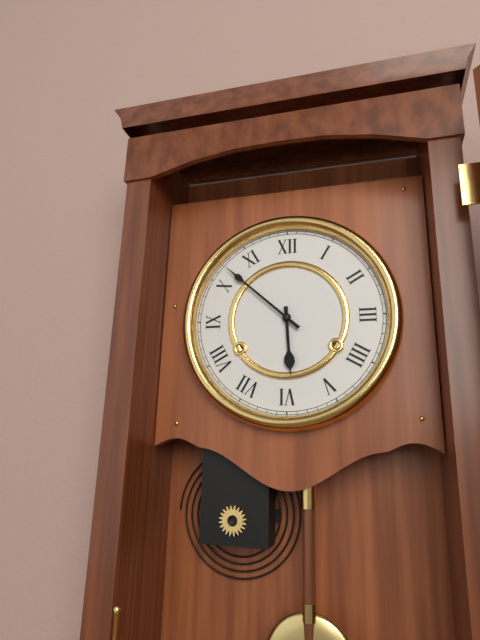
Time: 5h52
